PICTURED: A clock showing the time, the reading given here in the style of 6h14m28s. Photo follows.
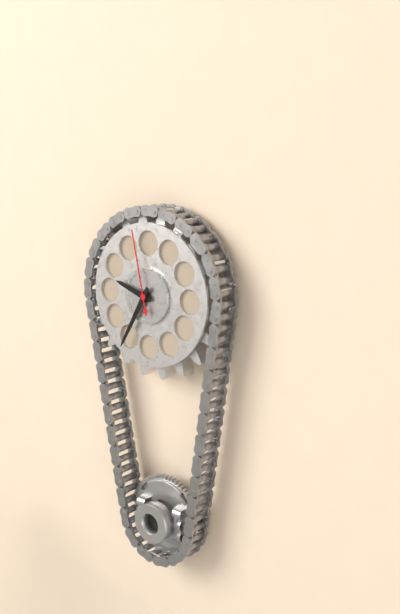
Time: 9h35m58s
